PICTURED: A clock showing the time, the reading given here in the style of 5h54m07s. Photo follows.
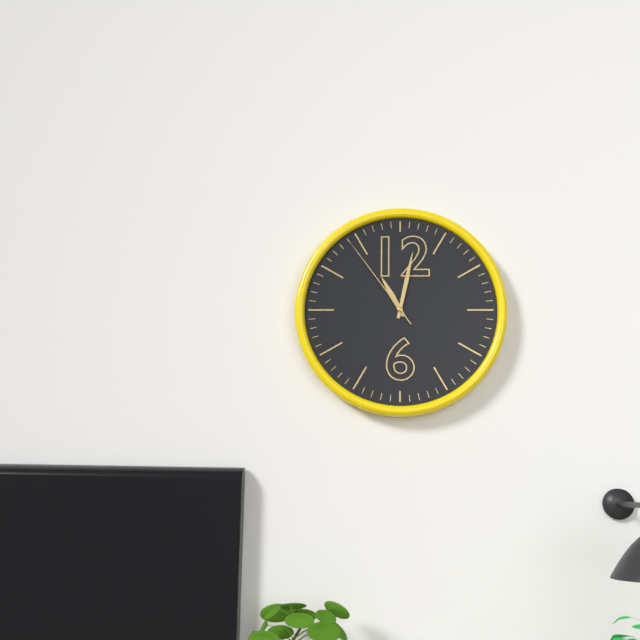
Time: 11h02m54s
